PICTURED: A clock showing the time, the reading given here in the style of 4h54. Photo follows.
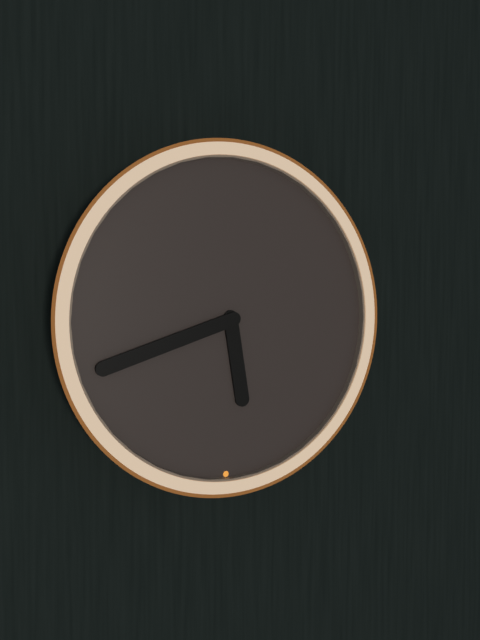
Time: 5h42
